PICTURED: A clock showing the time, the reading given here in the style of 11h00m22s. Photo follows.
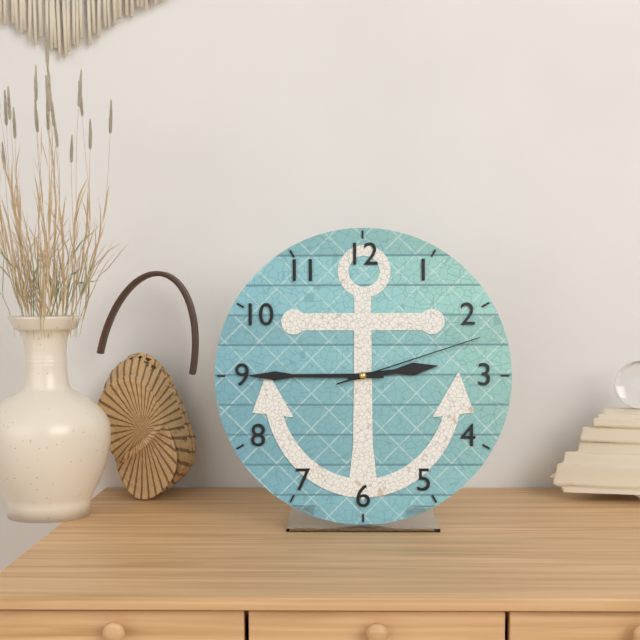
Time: 2h45m12s
